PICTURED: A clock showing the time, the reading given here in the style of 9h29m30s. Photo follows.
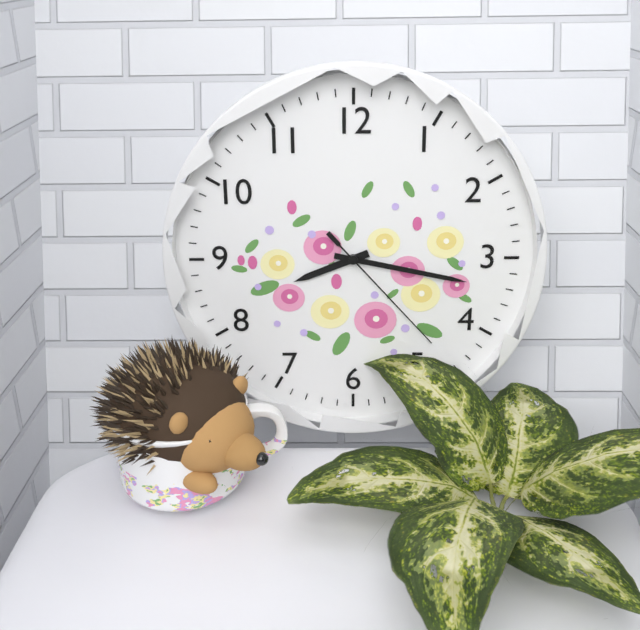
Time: 8h17m23s
